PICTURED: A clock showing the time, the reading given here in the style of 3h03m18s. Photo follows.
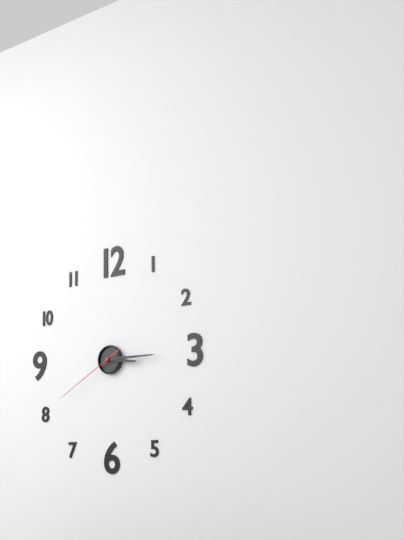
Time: 3h15m40s
